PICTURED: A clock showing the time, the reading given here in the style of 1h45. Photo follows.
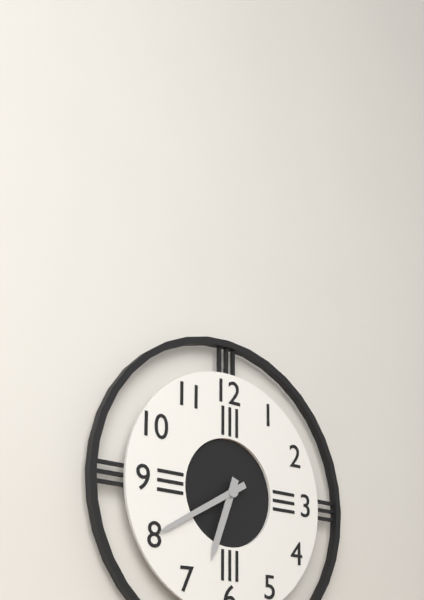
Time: 6h40
